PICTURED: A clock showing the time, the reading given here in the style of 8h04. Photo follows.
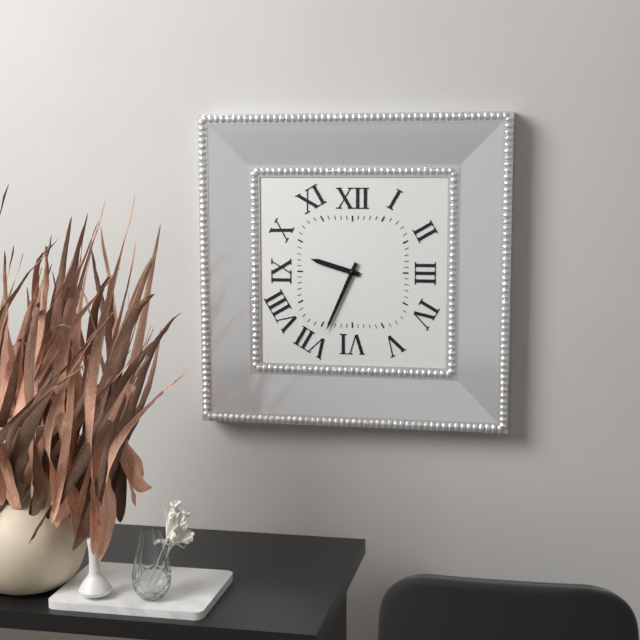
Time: 9h34
